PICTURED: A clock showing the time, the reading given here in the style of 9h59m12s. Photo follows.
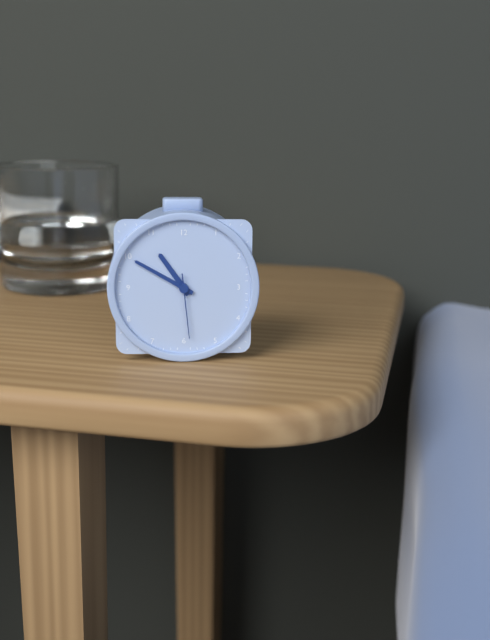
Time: 10h50m29s
